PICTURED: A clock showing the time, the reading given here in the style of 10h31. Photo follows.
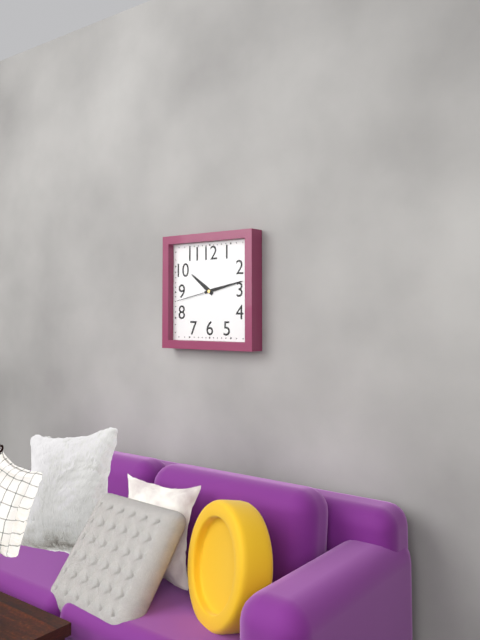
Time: 10h13
